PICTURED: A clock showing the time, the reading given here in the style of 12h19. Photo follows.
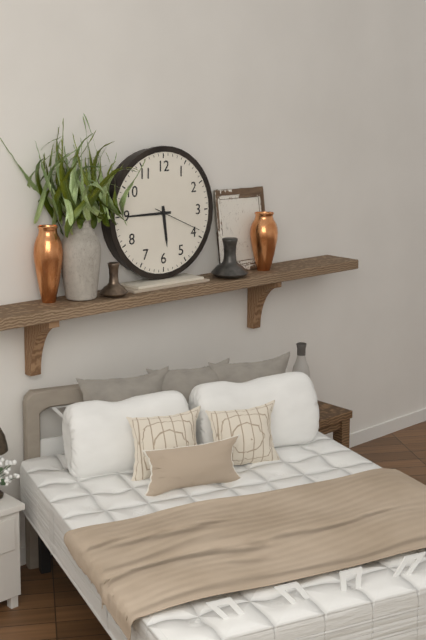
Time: 5h45
